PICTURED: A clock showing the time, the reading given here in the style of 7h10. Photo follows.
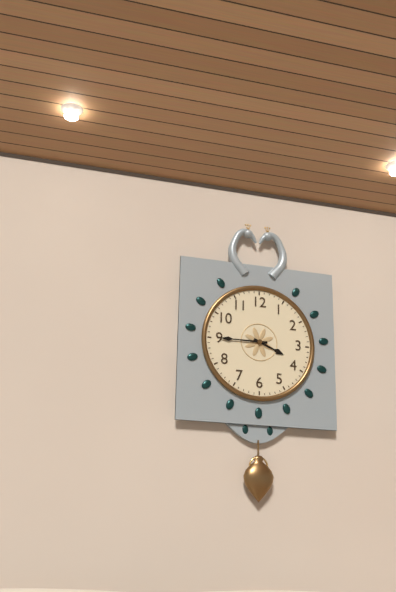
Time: 3h45
